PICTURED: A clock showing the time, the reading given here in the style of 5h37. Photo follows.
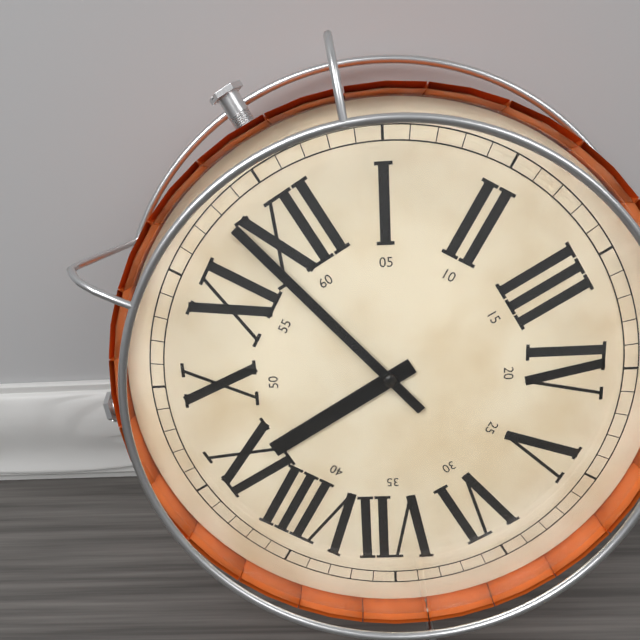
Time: 8h58
